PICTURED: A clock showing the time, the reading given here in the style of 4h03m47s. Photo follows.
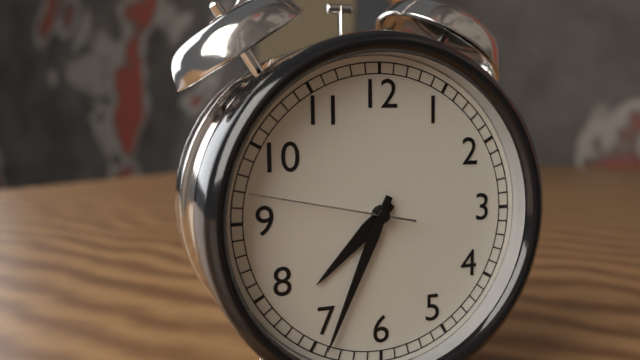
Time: 7h34m47s
